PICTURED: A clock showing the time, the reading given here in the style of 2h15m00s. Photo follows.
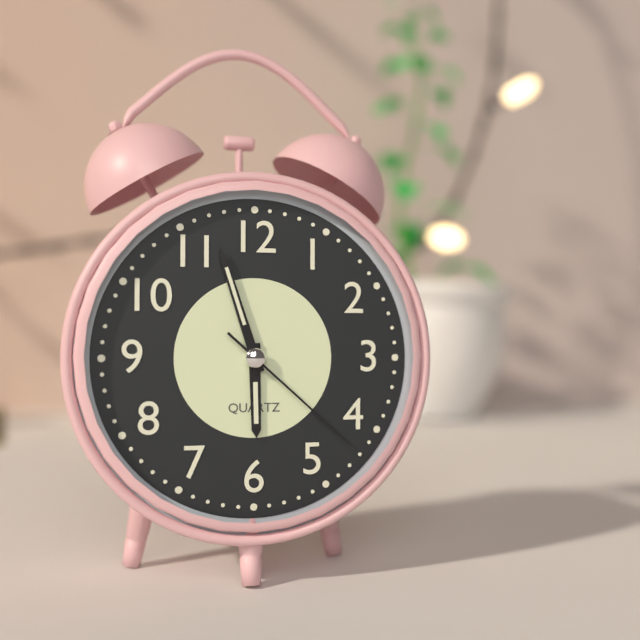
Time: 5h57m22s
